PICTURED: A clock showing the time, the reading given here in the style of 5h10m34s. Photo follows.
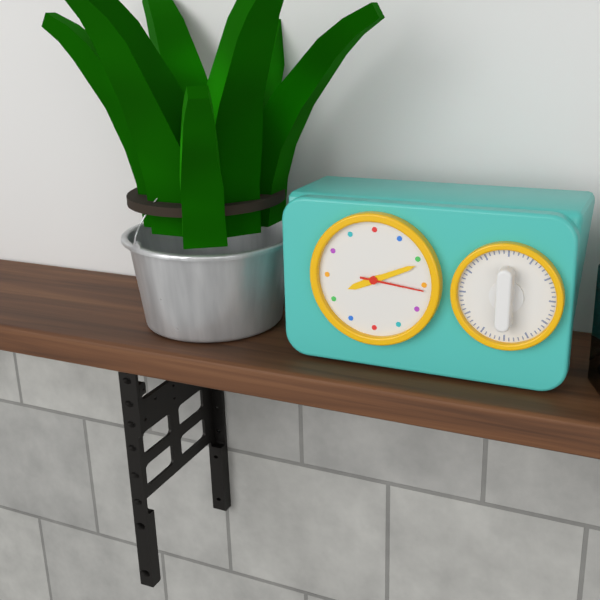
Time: 8h11m16s
